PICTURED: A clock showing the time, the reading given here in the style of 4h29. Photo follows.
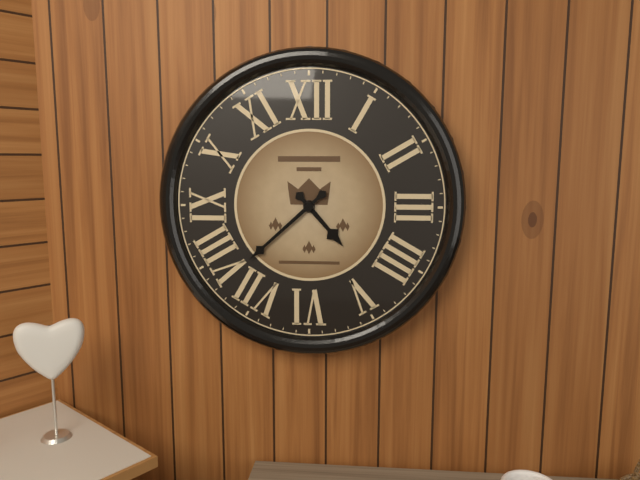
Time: 4h38
